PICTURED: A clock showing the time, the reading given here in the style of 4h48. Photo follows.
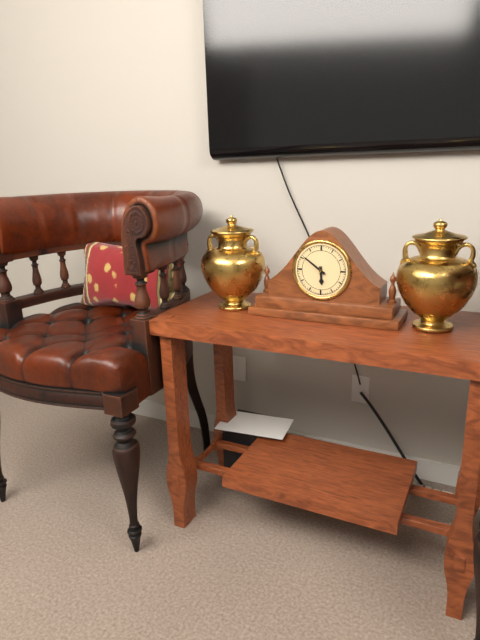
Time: 5h51
